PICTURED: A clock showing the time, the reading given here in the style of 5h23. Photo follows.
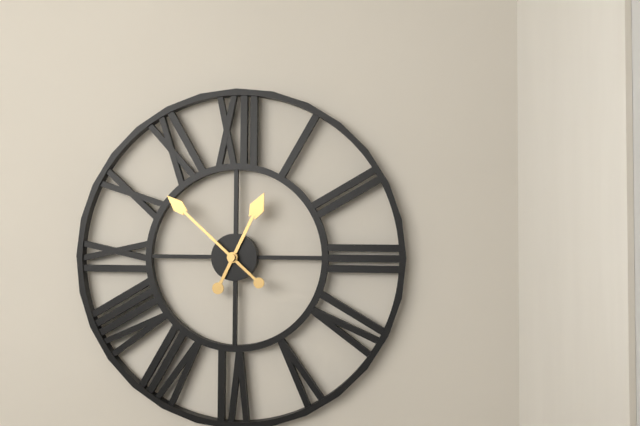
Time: 12h52
